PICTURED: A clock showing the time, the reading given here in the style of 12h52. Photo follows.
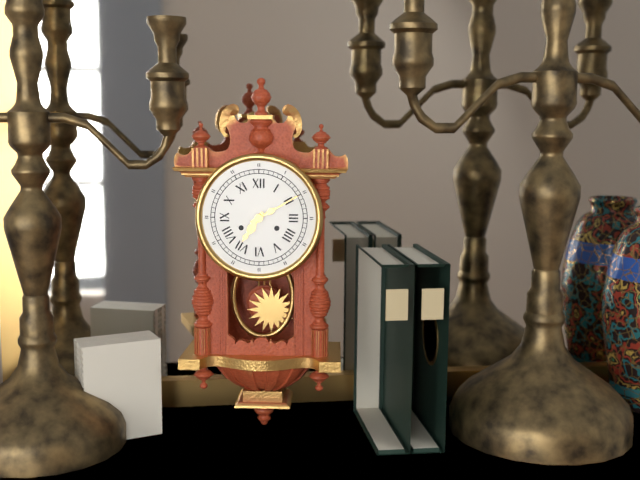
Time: 7h10
